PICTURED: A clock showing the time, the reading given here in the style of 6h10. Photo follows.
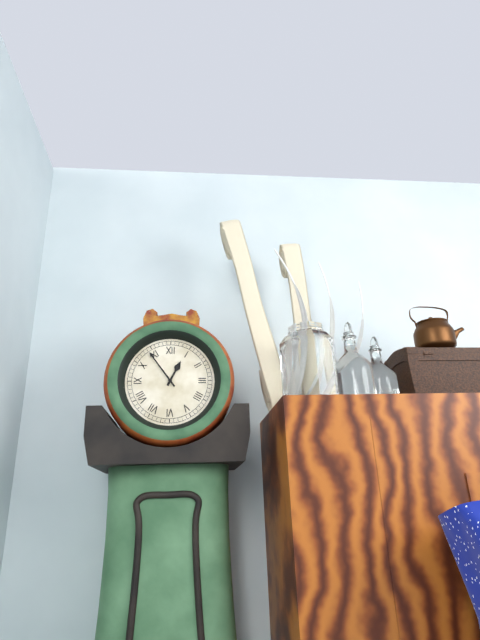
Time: 12h54
